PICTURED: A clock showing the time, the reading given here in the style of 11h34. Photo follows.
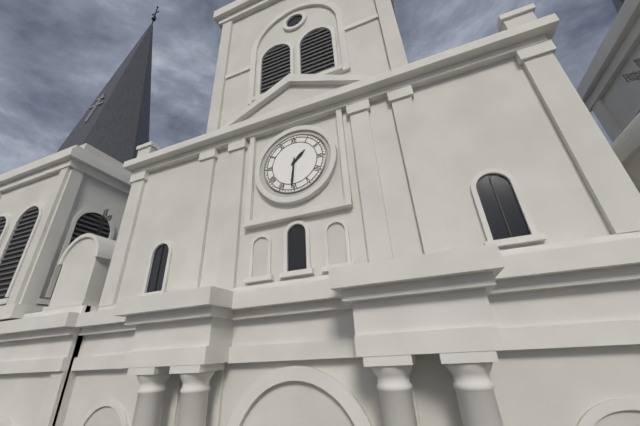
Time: 1h31
